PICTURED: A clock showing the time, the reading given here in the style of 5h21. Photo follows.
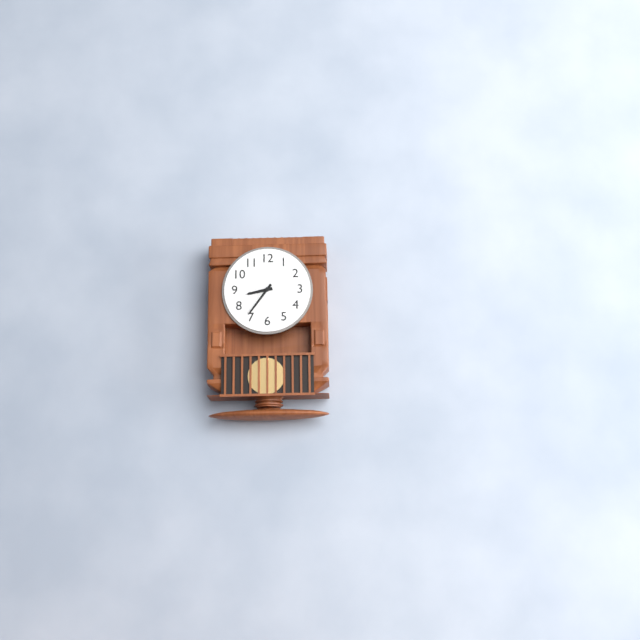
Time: 8h36
